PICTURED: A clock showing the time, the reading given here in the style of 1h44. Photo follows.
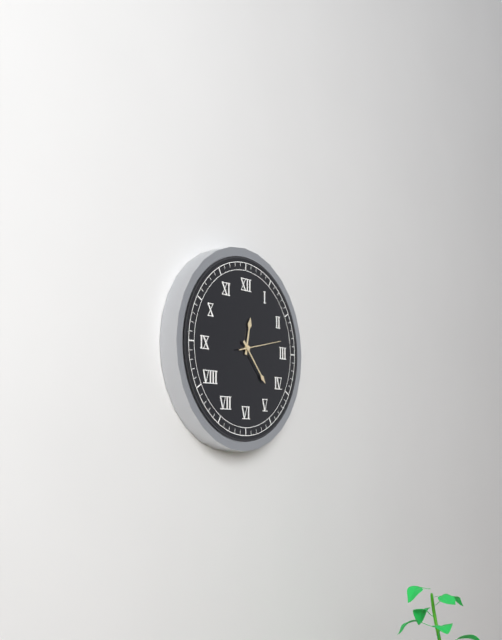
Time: 12h23
